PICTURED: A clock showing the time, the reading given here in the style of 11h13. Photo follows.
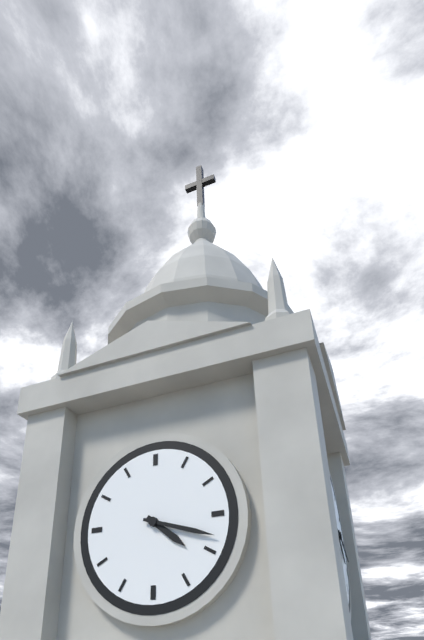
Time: 4h18
